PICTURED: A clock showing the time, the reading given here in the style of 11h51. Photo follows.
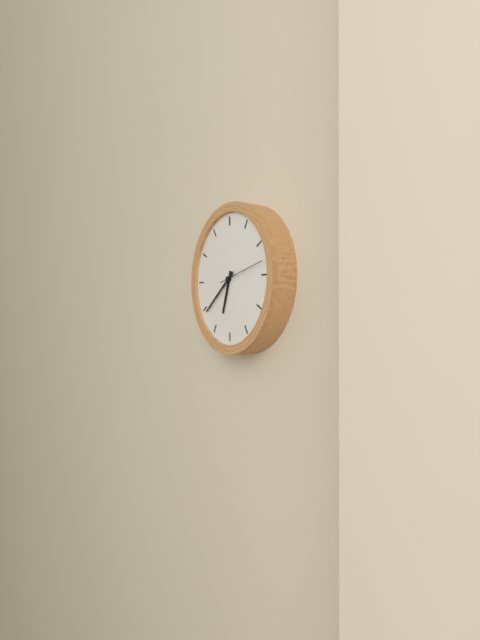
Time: 6h39
